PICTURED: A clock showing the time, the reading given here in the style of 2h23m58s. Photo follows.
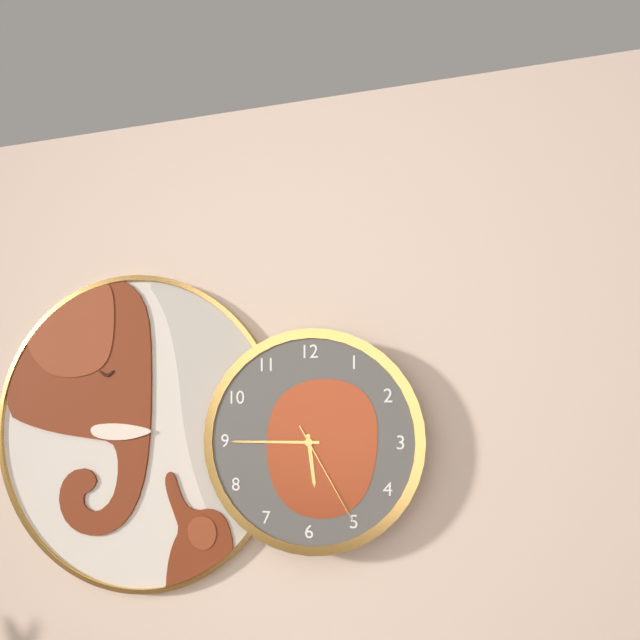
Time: 5h45m25s
